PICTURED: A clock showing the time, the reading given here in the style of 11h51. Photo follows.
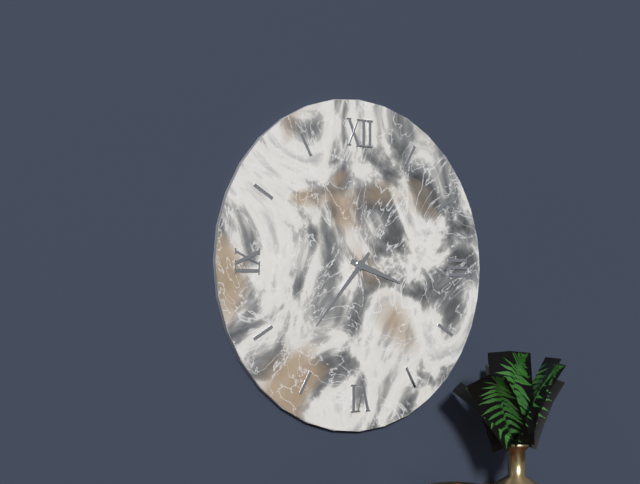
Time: 3h37
